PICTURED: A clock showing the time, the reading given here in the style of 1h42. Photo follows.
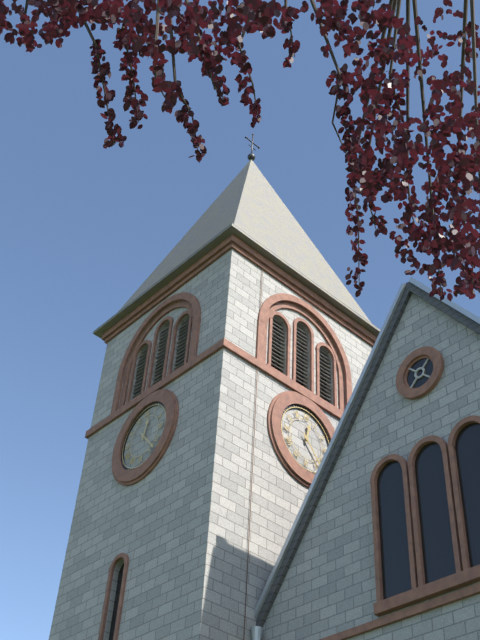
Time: 12h23
